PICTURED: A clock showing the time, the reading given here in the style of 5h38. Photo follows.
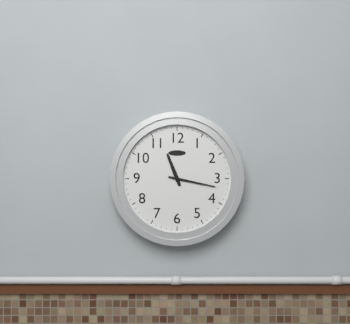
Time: 11h17
